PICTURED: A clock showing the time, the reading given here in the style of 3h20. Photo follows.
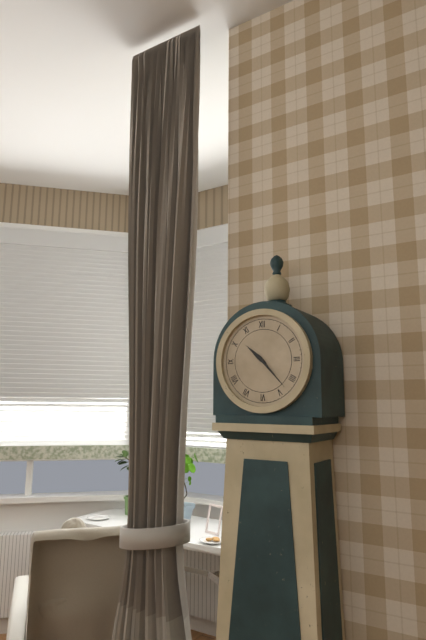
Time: 10h23
